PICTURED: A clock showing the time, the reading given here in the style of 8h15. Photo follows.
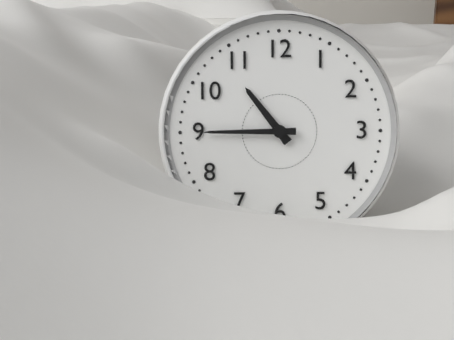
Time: 10h45
